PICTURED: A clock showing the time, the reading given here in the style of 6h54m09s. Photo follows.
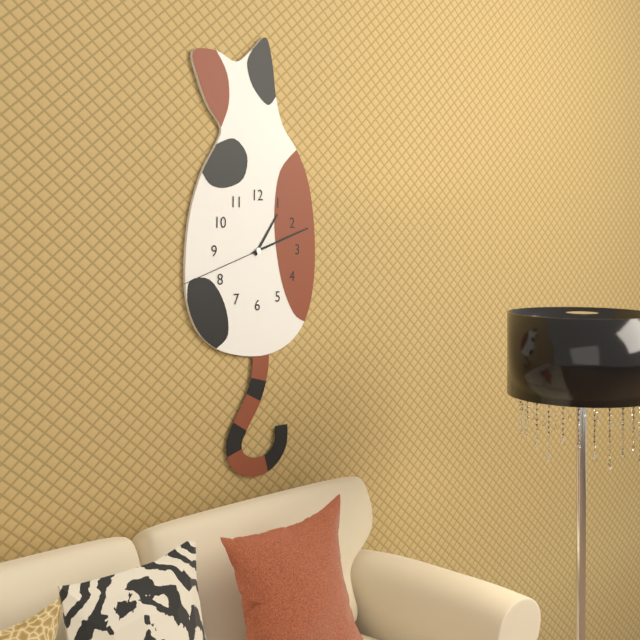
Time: 1h12m42s
